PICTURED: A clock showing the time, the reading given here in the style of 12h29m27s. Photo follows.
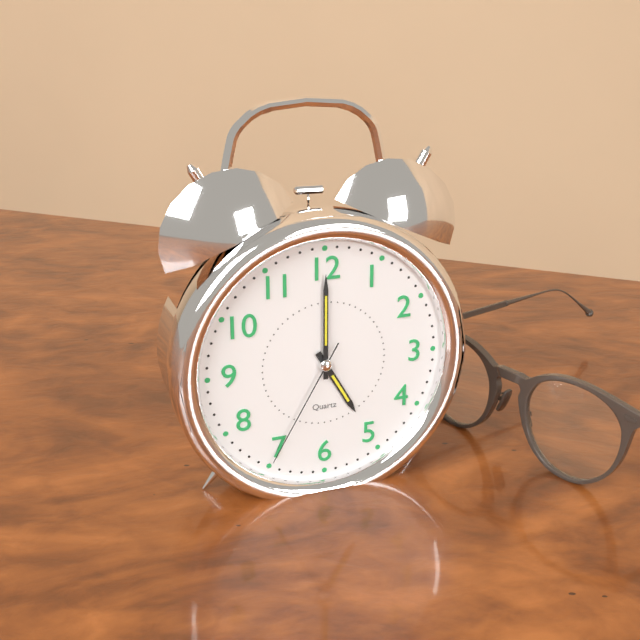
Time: 5h00m35s
